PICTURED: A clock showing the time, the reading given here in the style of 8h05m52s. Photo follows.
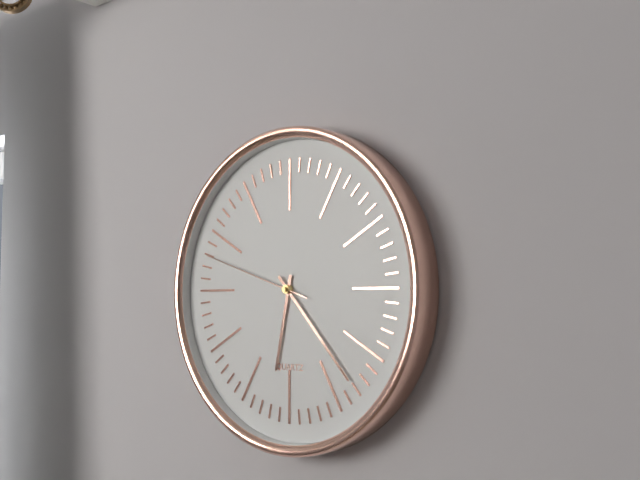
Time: 6h23m48s
